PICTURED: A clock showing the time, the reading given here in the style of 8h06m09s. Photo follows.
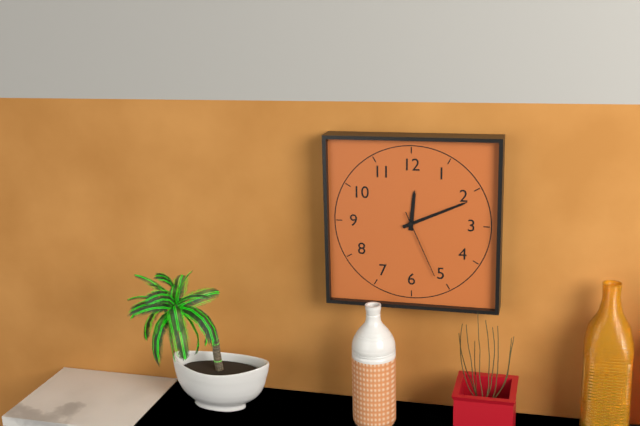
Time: 12h11m26s
